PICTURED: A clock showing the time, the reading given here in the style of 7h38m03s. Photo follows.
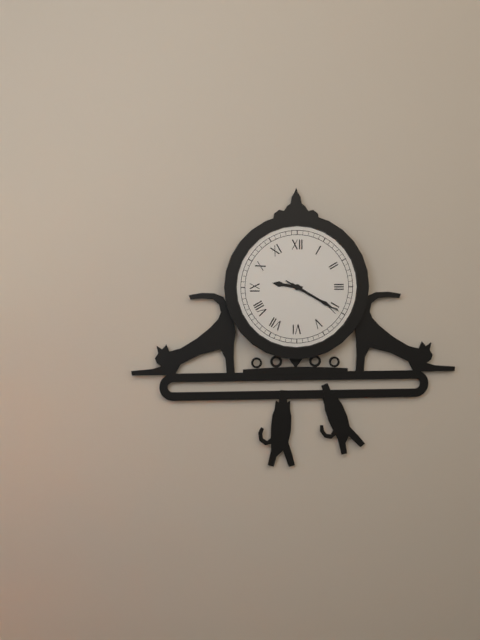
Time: 9h20m20s
